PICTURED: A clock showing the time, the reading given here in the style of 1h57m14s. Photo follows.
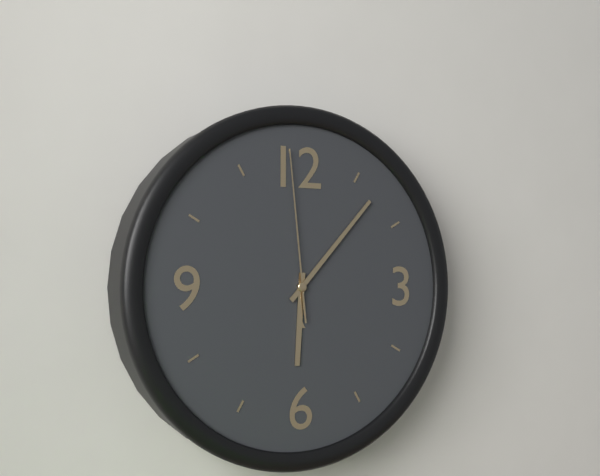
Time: 6h07m59s
